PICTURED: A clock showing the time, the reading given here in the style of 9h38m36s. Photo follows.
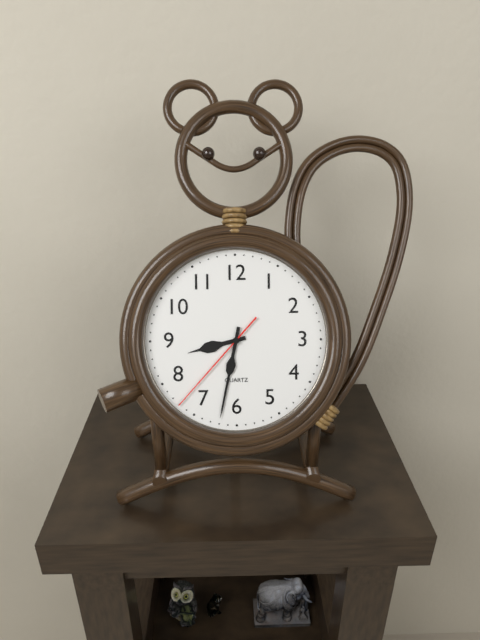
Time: 8h32m37s
